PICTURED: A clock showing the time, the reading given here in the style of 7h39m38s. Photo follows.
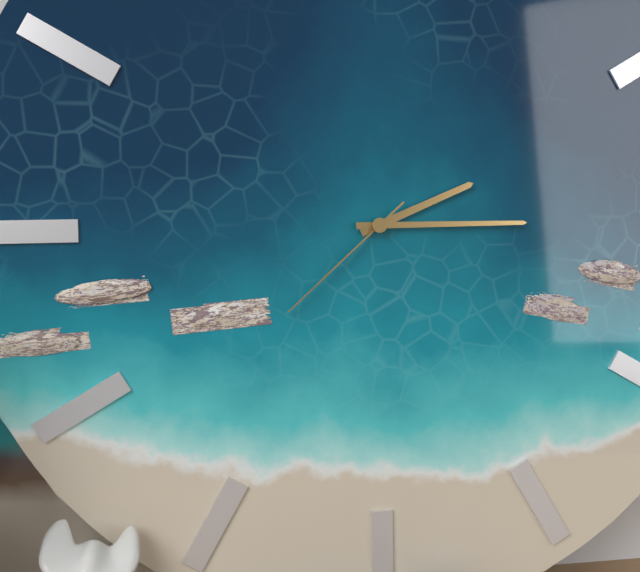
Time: 2h15m38s
